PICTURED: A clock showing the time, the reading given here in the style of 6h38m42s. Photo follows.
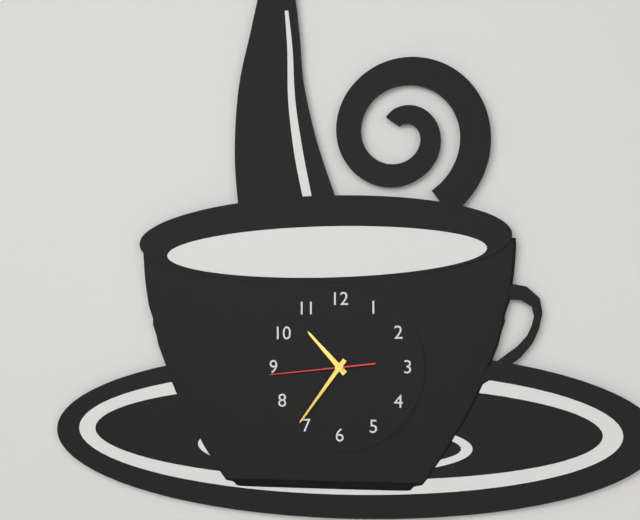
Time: 10h36m44s
